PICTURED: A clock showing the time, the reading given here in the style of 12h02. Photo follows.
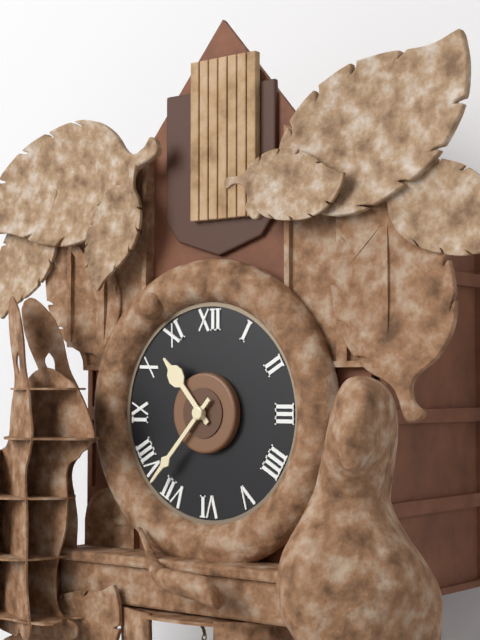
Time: 10h37
